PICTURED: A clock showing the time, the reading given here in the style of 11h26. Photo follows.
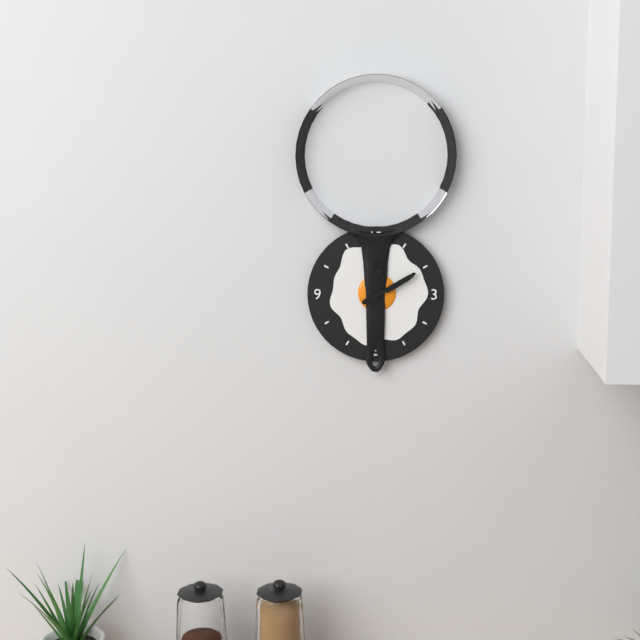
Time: 12h10
